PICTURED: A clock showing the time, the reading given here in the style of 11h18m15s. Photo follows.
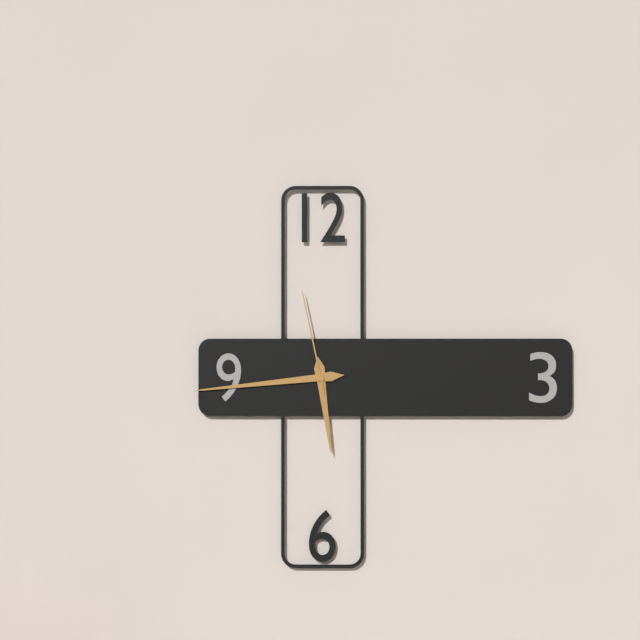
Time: 5h44m58s
